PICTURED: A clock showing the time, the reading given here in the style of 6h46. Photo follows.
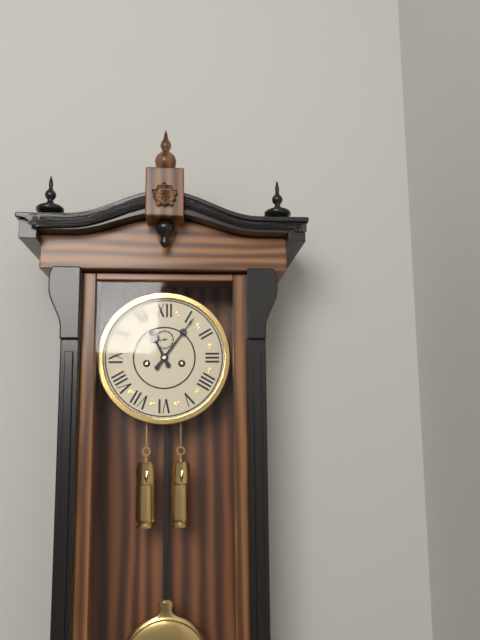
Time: 11h06
